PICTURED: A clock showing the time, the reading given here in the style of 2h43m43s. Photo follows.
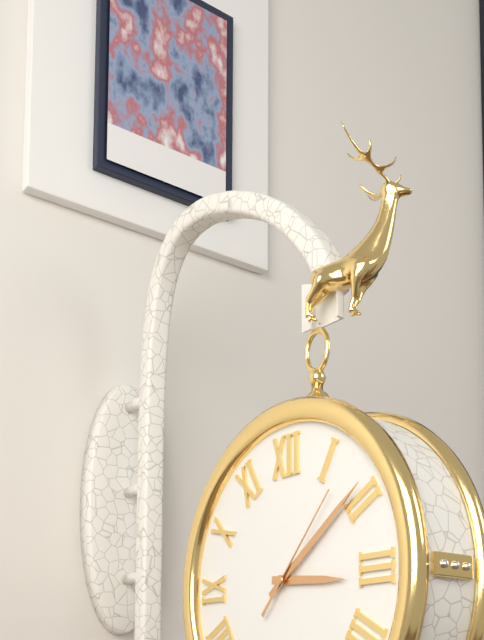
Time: 3h09m07s
